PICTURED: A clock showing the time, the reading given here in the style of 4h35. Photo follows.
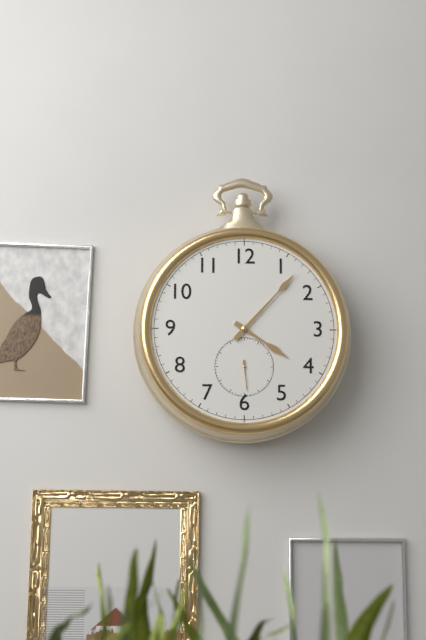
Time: 4h07
